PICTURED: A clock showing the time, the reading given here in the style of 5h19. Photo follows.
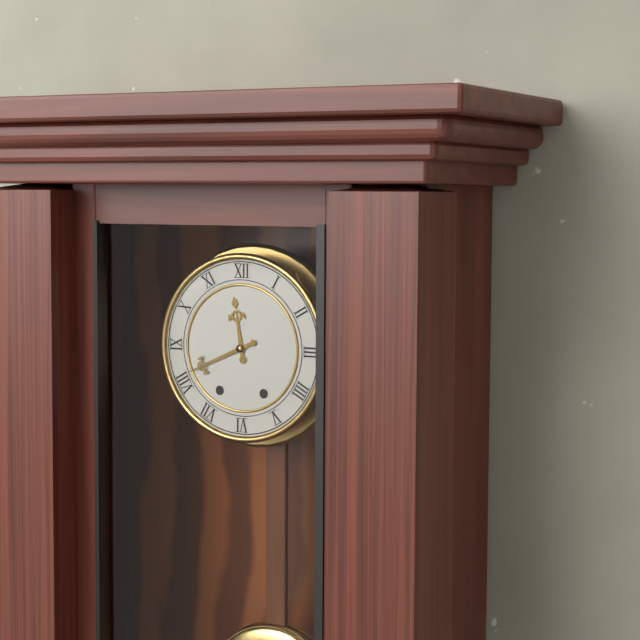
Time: 11h41
